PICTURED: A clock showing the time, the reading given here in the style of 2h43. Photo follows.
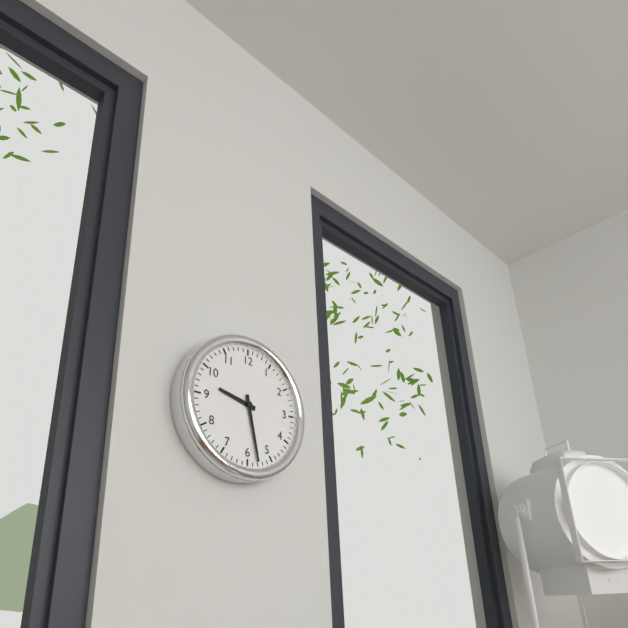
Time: 9h28
